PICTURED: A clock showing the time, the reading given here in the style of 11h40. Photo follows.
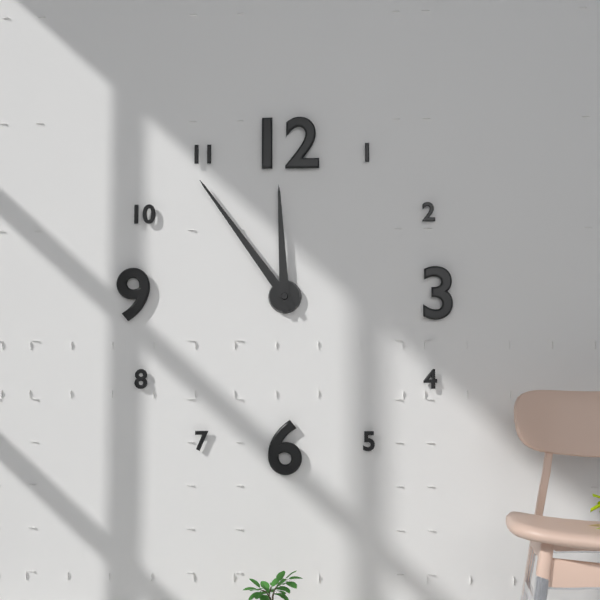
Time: 11h54
